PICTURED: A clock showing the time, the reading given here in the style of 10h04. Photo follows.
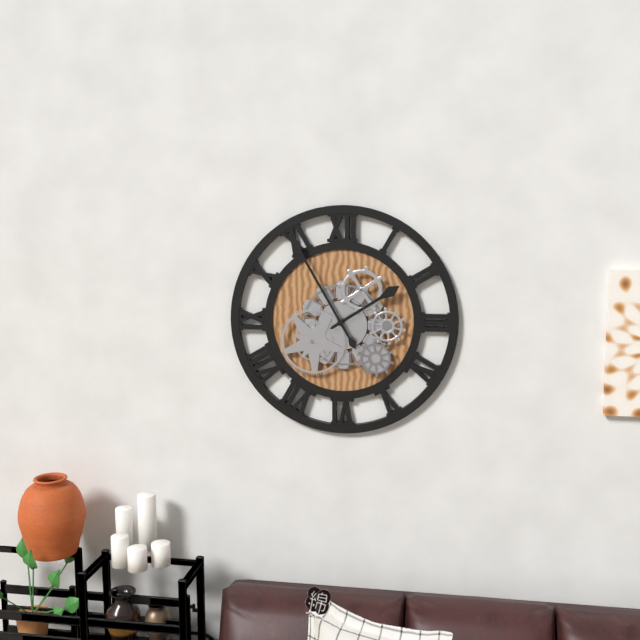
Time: 1h55
